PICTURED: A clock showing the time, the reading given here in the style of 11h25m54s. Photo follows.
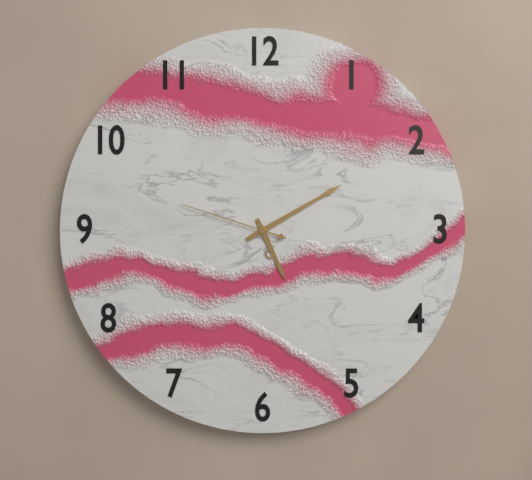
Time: 5h10m48s
